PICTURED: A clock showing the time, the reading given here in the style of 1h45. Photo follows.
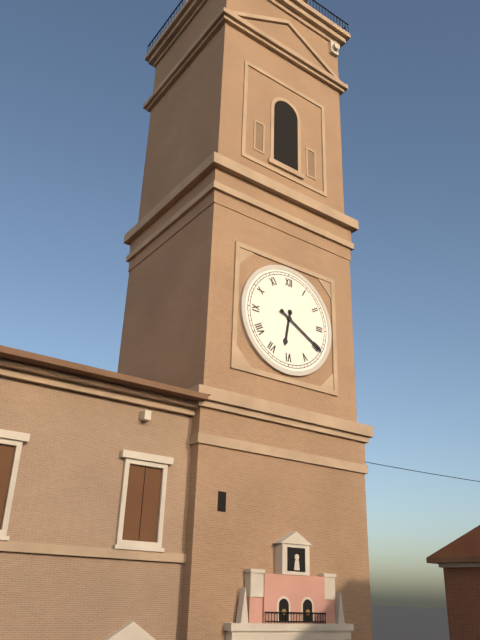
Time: 6h20
